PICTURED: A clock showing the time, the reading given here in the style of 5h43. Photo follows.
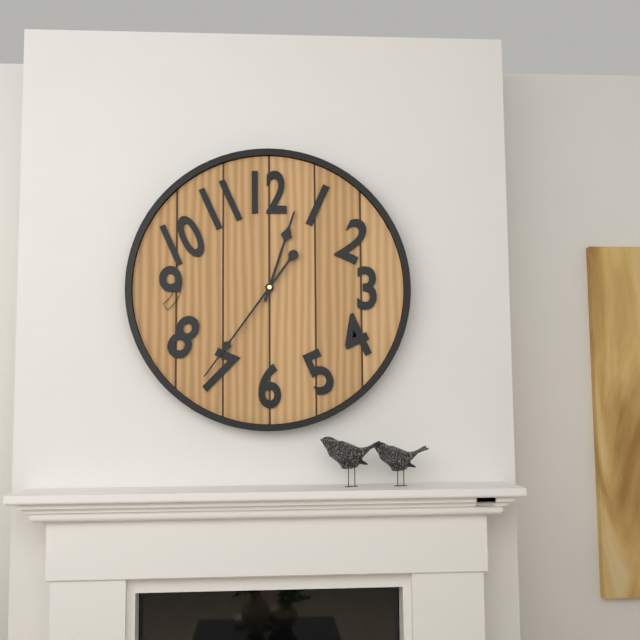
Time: 12h36
